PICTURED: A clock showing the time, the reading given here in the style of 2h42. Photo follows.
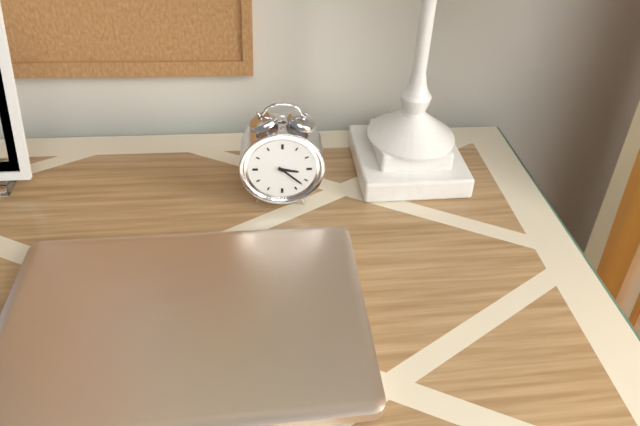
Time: 3h22
